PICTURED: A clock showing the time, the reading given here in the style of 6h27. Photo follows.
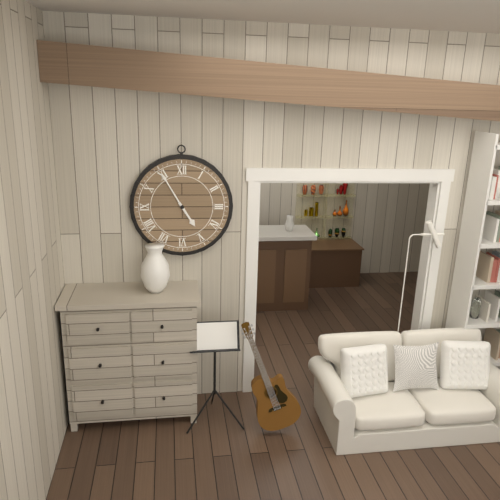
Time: 4h55
